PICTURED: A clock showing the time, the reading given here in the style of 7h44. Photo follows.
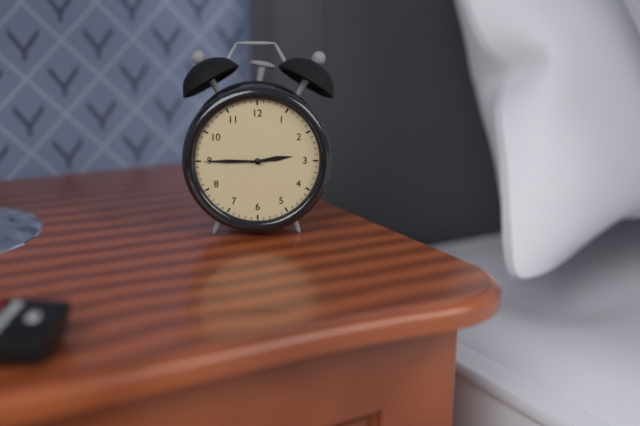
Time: 2h45
